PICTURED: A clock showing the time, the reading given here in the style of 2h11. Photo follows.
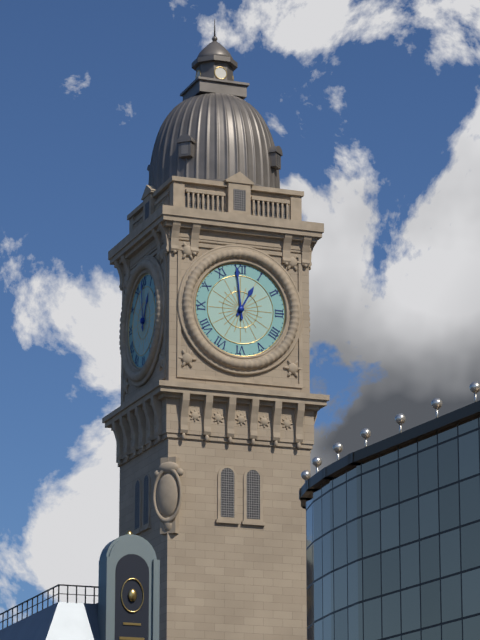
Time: 12h59
